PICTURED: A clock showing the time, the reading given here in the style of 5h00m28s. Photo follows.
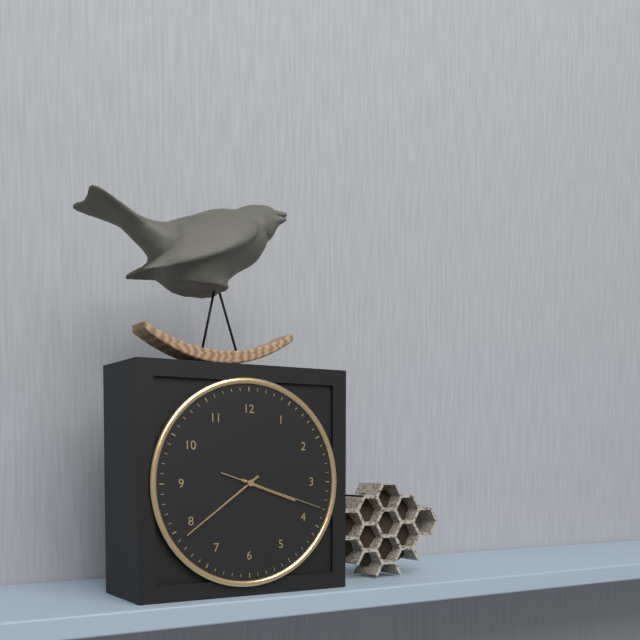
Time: 3h39m18s
